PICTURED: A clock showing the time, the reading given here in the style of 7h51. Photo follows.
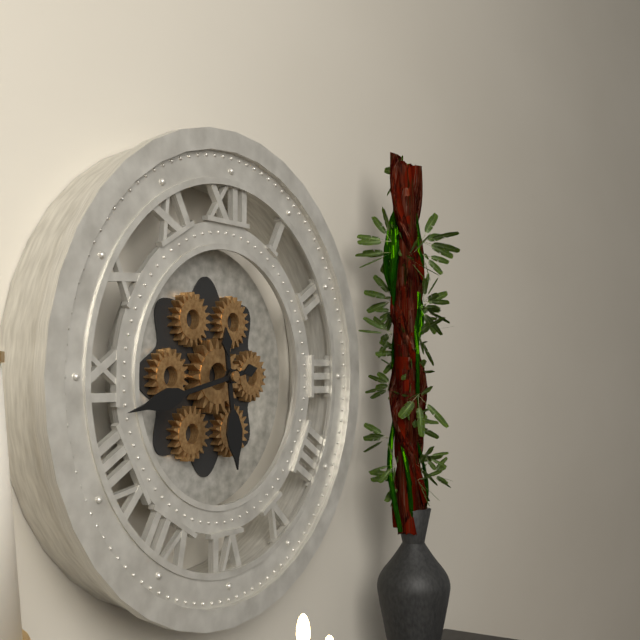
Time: 5h43
